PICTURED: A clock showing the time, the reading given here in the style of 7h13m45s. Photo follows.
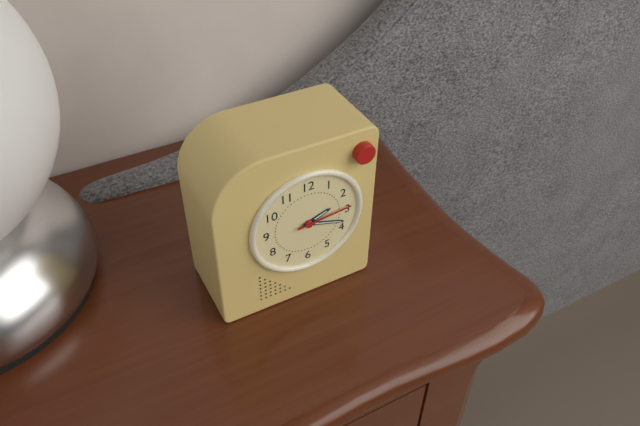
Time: 2h18m14s
